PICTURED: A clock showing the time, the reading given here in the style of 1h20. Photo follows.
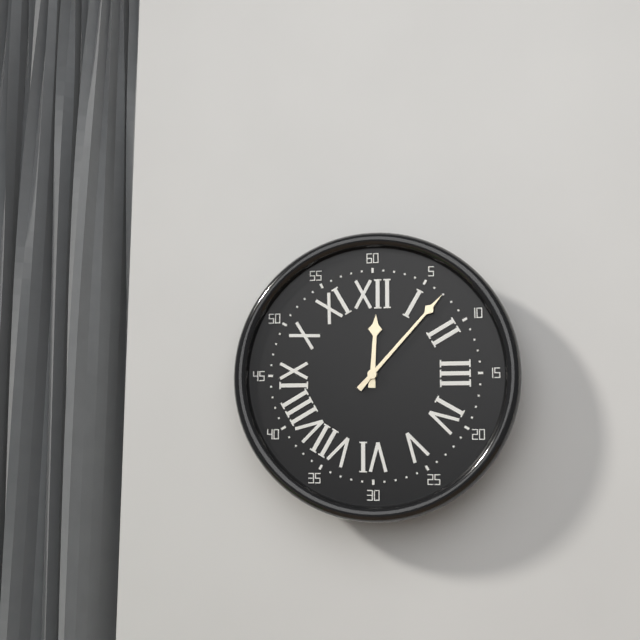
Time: 12h07
